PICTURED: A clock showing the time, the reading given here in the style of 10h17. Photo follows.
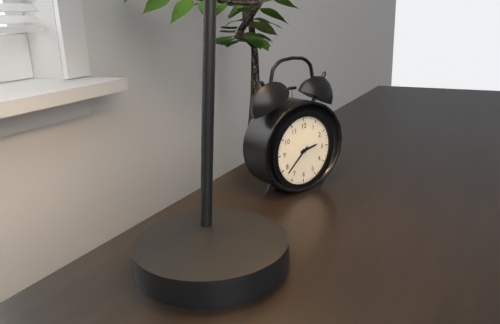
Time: 2h38
